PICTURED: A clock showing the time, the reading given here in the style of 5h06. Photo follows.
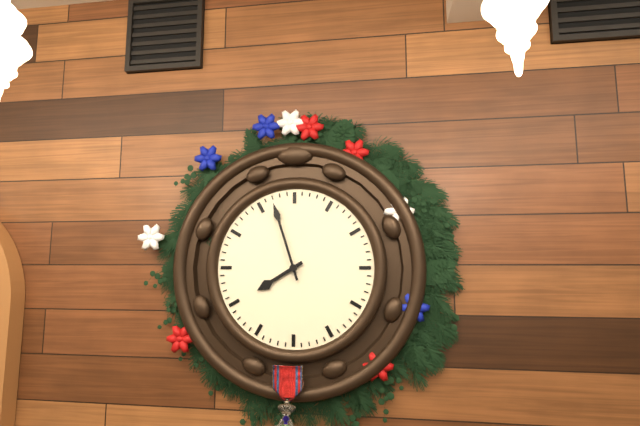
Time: 7h57
